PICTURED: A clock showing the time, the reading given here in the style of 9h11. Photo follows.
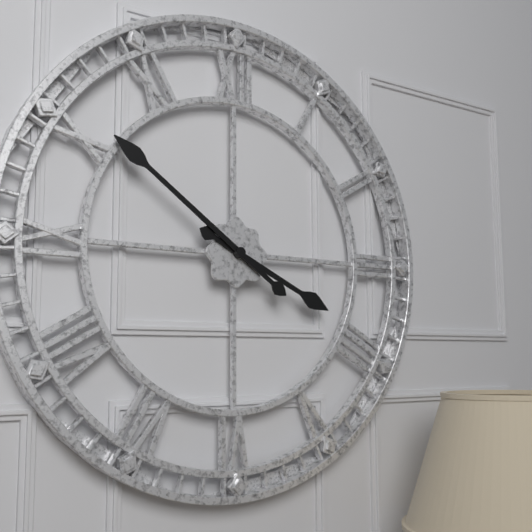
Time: 3h51
